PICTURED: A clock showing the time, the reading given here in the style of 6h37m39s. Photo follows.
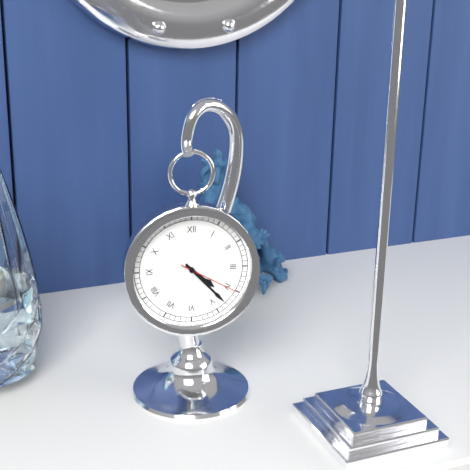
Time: 4h23m20s
